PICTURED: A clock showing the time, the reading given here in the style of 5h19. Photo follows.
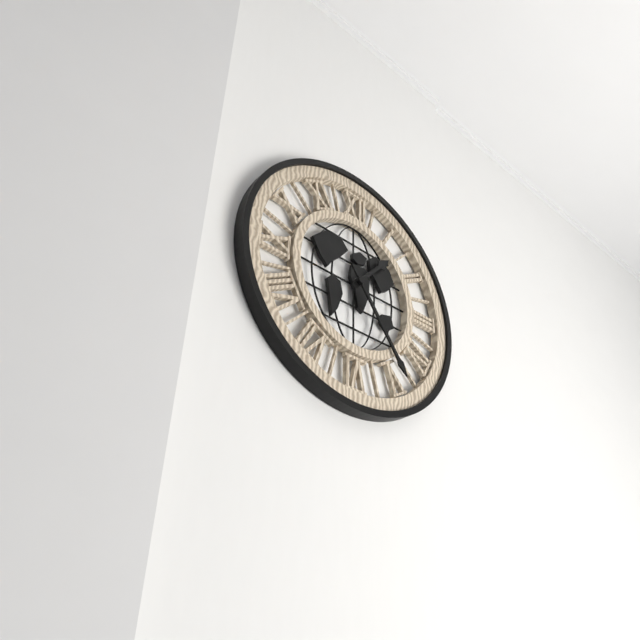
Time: 1h24
